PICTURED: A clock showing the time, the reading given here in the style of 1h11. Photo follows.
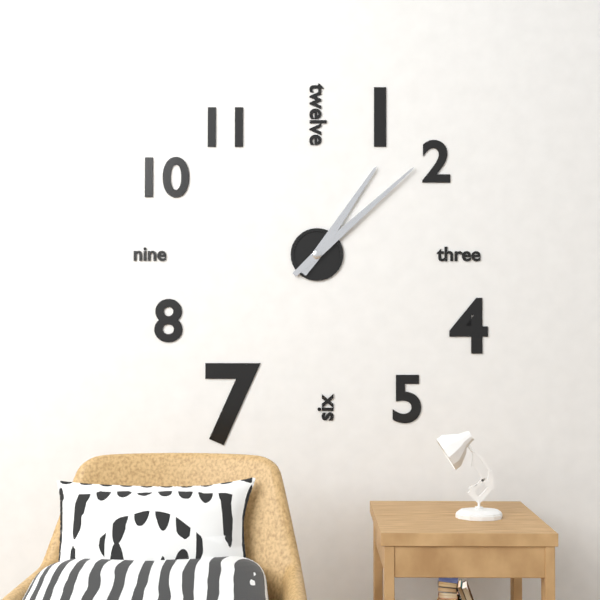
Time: 1h08
